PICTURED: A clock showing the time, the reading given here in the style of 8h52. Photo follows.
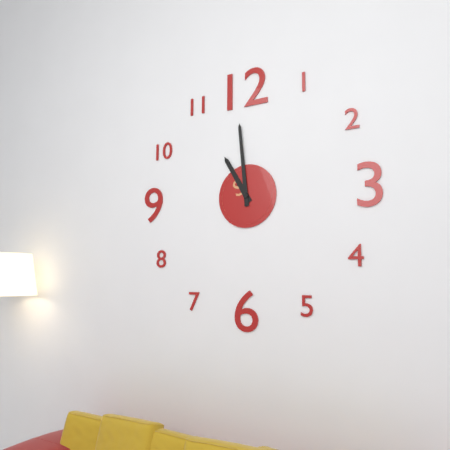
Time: 10h59
